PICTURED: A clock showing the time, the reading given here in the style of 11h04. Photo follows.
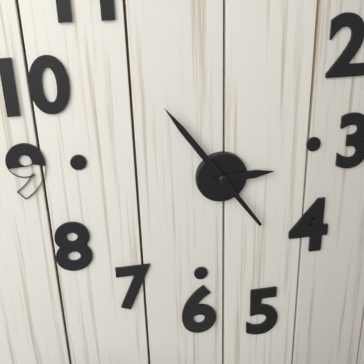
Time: 2h54
